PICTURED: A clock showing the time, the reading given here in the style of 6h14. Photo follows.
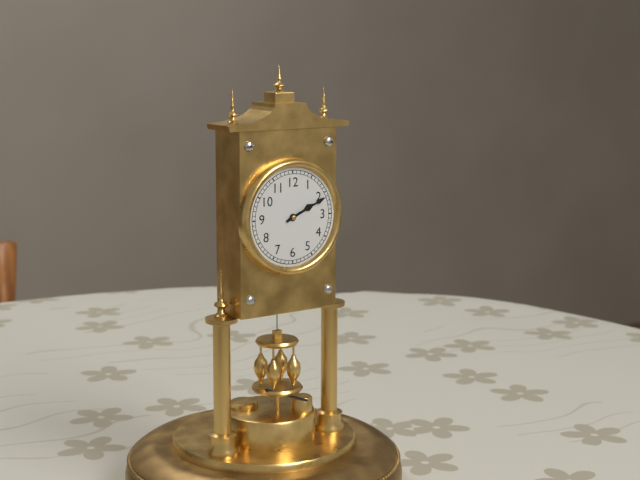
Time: 2h11
